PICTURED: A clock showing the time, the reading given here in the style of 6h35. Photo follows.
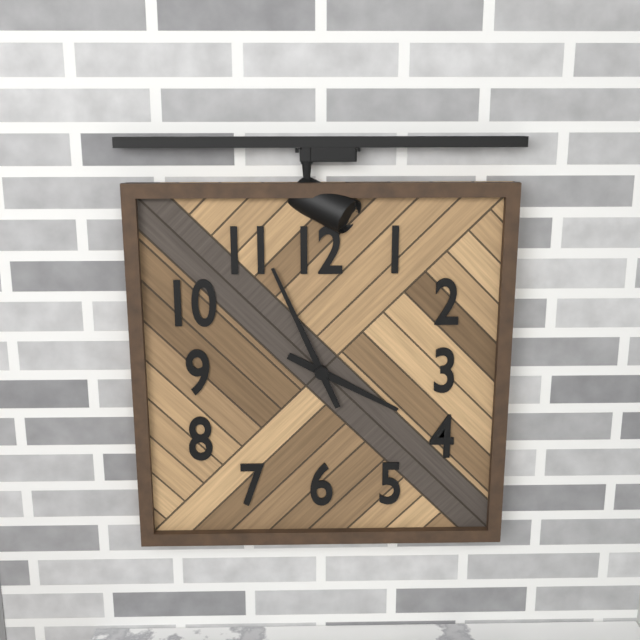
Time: 3h56
